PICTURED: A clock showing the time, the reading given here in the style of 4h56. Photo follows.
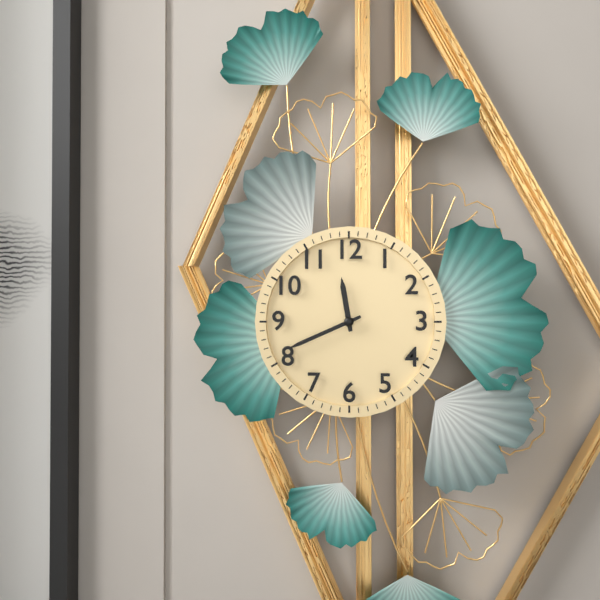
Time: 11h41
